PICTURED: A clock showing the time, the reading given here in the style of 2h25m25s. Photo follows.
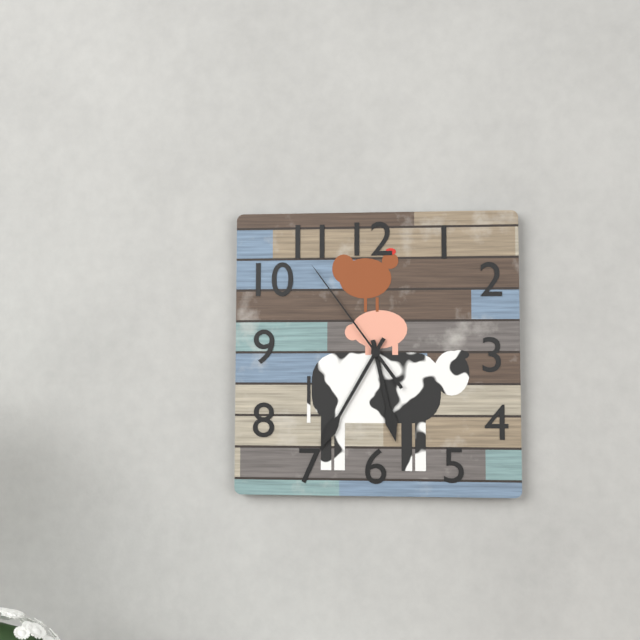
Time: 5h35m54s
